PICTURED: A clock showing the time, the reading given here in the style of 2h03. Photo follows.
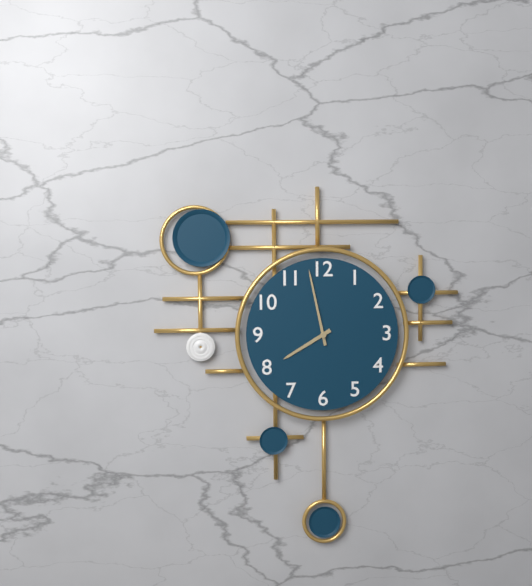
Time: 7h58
